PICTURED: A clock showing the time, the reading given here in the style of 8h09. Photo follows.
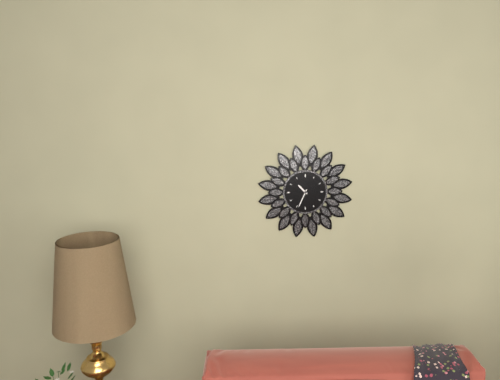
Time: 10h34
